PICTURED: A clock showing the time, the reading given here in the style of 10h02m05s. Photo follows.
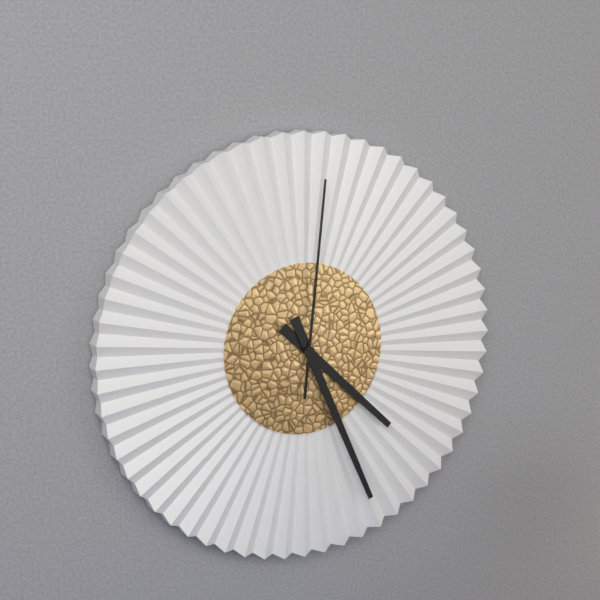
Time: 4h26m01s
